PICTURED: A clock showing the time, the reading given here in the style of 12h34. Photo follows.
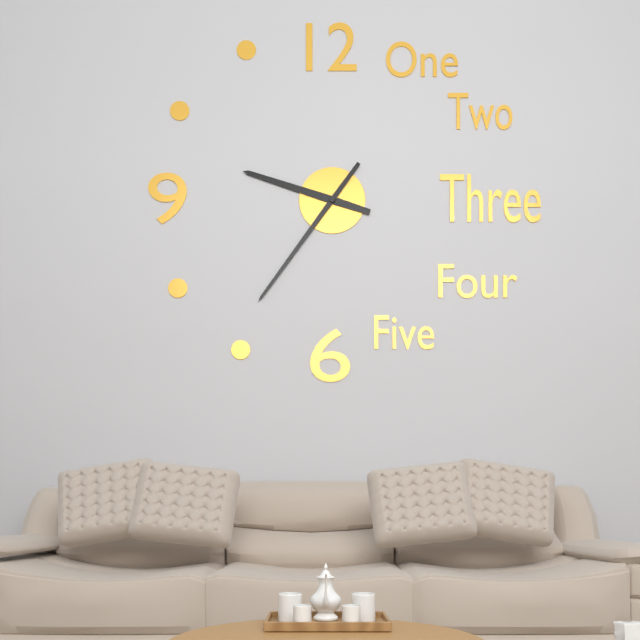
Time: 9h36
